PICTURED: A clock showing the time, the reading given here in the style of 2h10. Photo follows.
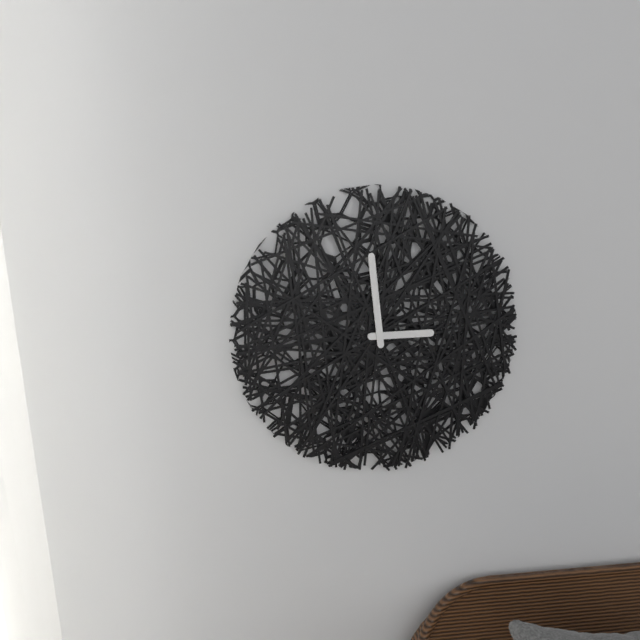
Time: 2h59
